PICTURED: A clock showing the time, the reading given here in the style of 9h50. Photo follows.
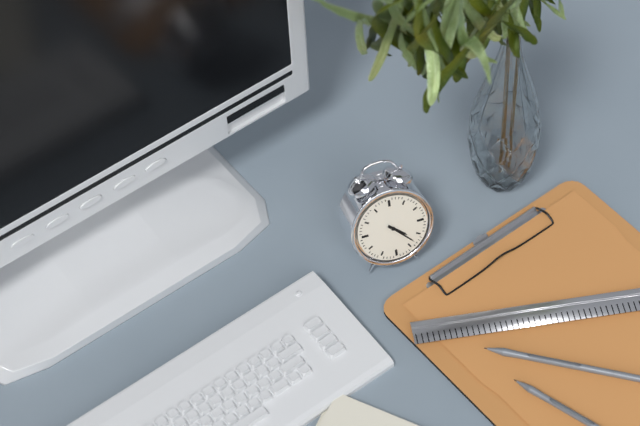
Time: 4h23
